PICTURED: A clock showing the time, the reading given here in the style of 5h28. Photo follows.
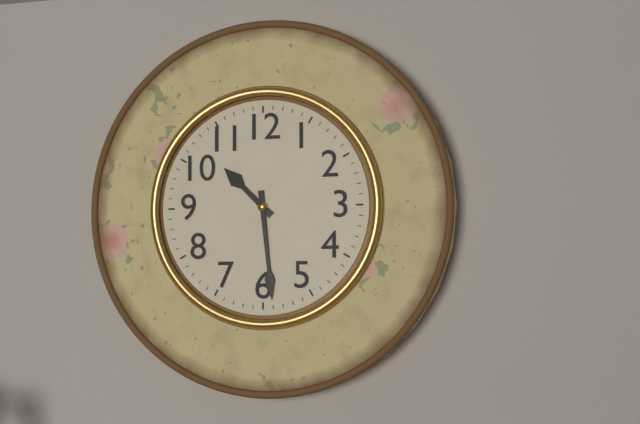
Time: 10h29
